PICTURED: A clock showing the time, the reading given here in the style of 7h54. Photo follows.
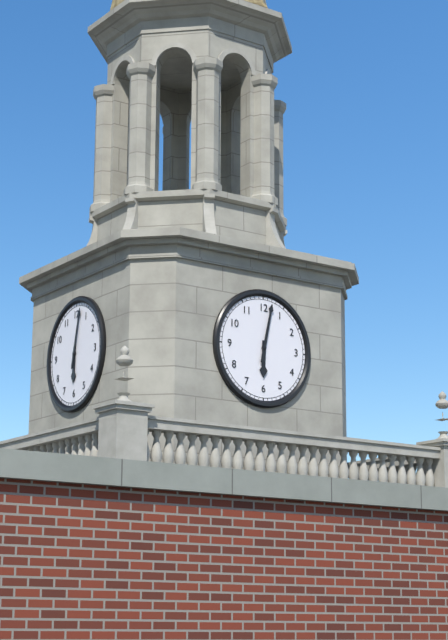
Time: 6h02
